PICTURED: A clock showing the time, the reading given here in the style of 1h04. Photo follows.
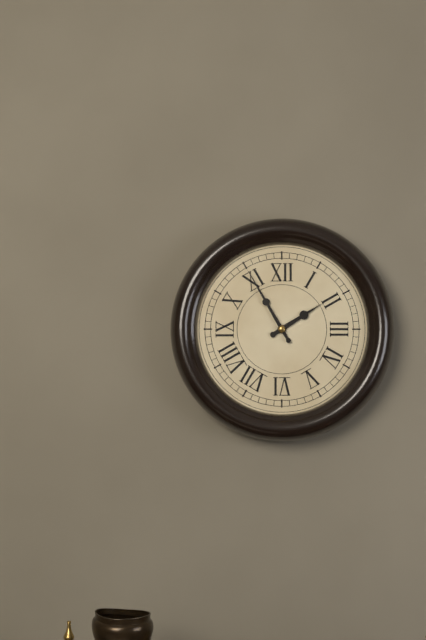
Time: 1h55
